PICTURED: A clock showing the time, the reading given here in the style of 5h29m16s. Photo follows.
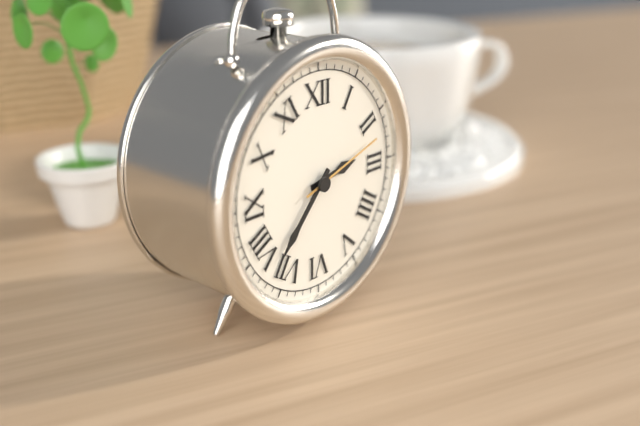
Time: 2h37m12s
